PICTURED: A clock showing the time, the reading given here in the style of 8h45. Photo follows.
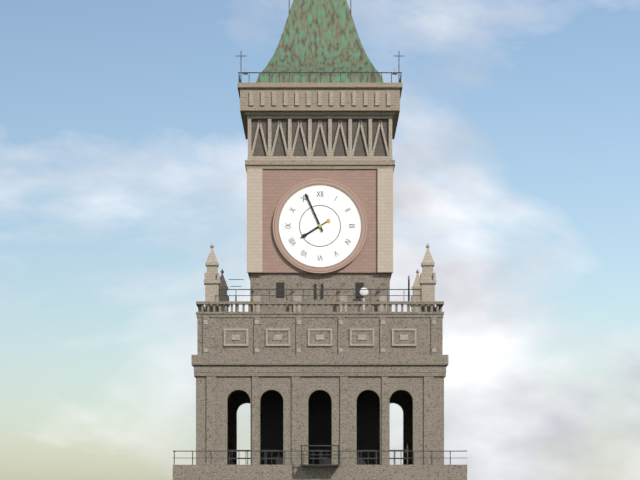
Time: 7h56
